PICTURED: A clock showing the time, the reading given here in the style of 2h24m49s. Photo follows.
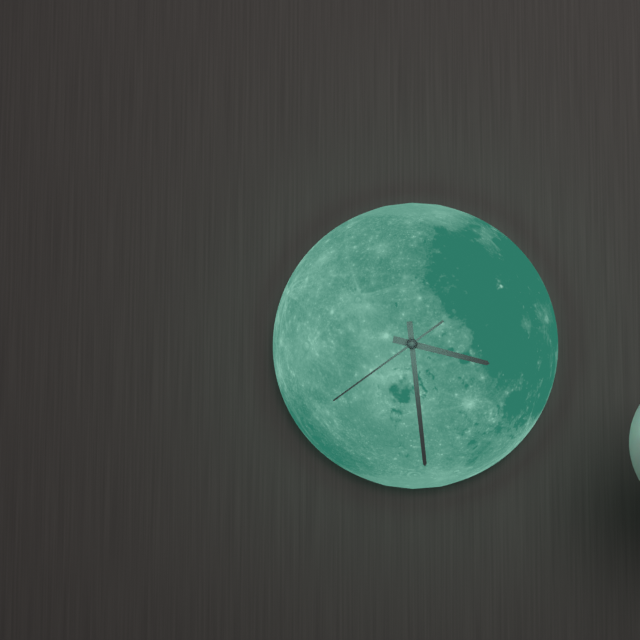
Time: 3h29m39s
